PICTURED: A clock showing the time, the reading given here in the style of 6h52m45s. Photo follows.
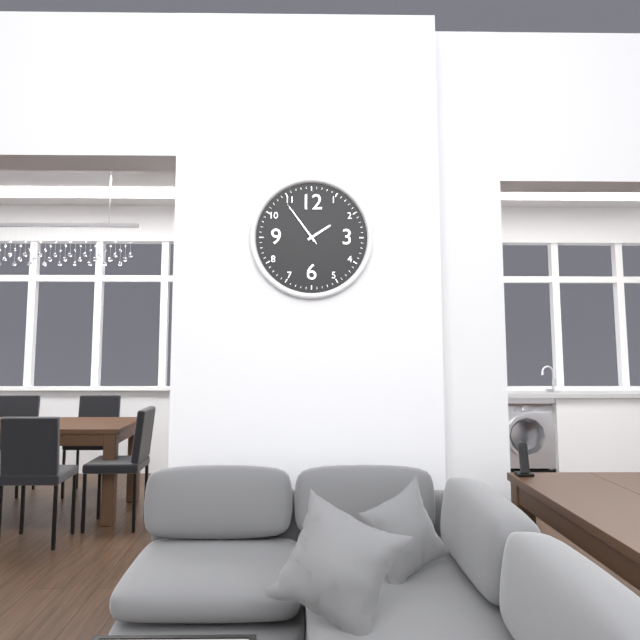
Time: 1h54m54s
